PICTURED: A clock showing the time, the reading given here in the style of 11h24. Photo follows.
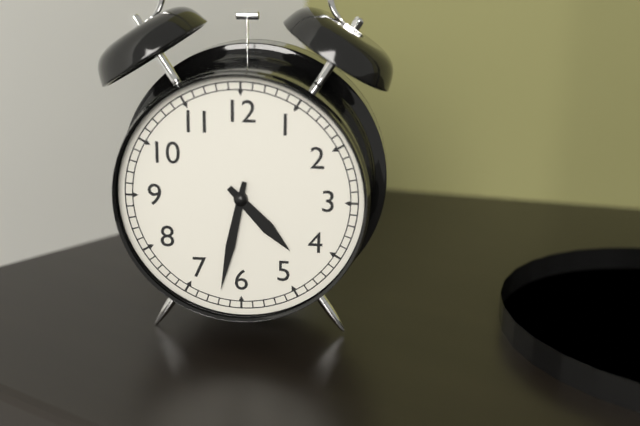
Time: 4h32
